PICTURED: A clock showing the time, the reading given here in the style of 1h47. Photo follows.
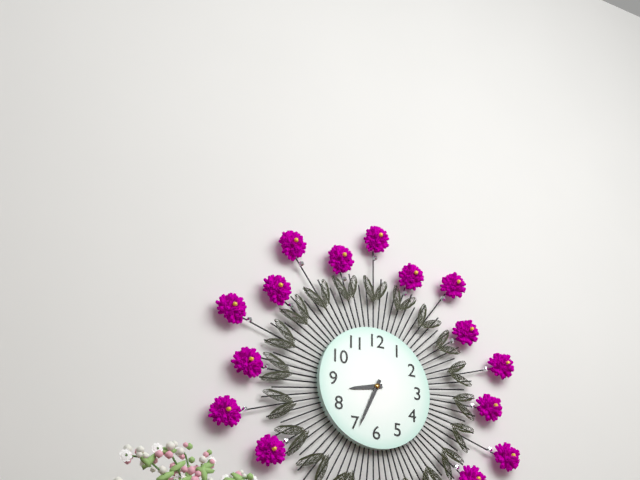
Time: 8h34
